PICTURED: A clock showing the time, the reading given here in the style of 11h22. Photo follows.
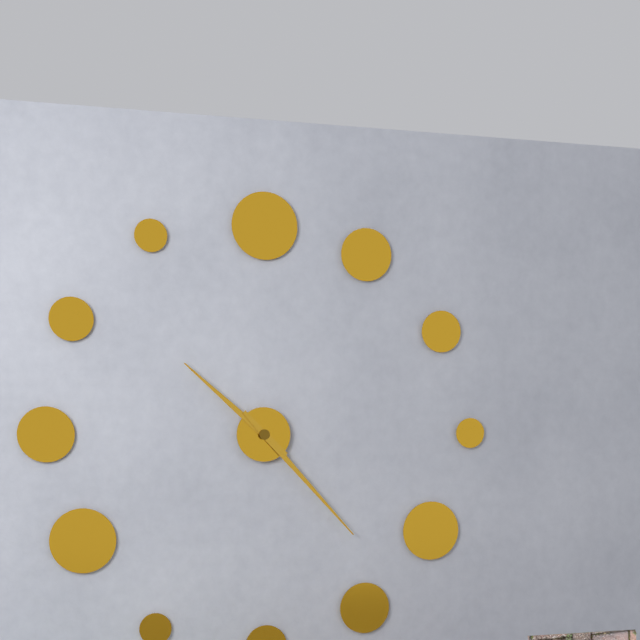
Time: 10h23
